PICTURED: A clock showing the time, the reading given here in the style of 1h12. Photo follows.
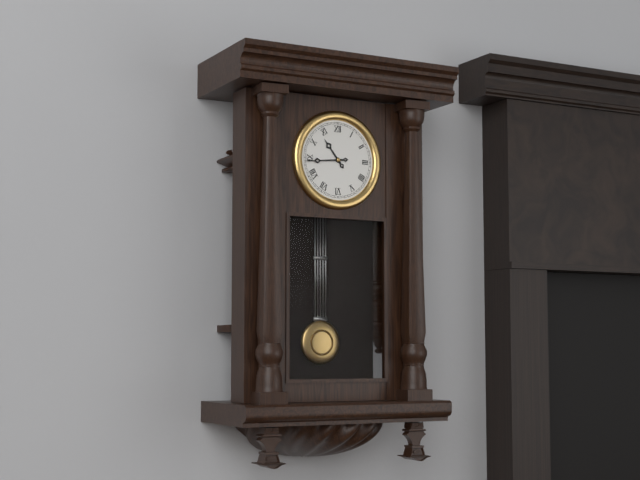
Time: 10h44
